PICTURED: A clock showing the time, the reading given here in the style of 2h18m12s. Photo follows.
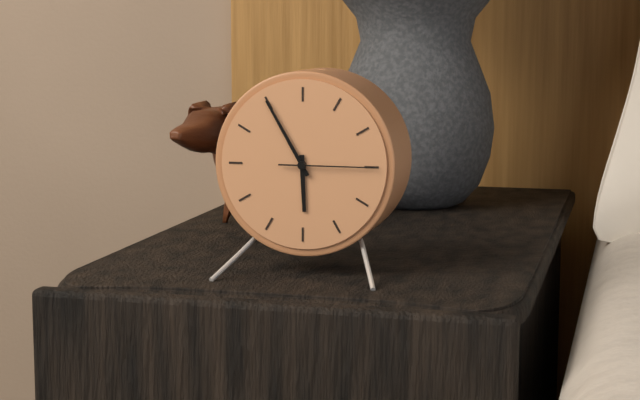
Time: 5h55m15s
